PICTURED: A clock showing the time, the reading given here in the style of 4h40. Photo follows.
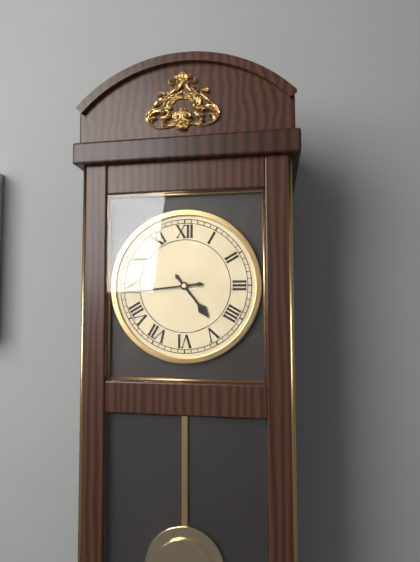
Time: 4h44
